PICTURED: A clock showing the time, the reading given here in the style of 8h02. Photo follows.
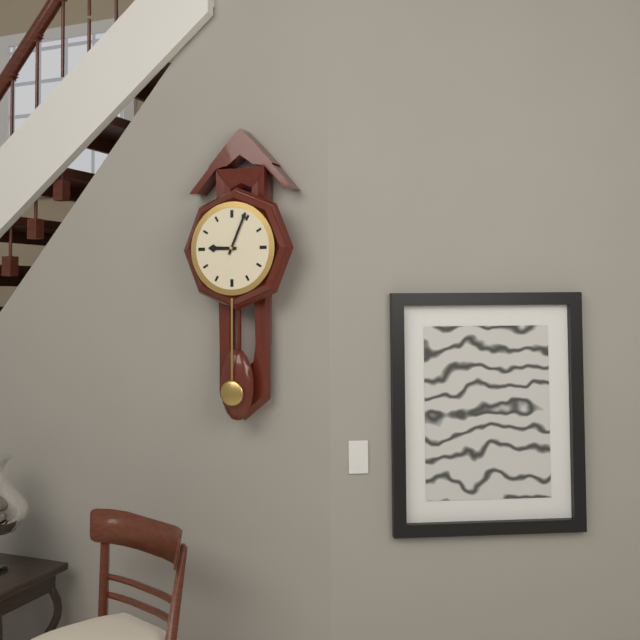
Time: 9h04
